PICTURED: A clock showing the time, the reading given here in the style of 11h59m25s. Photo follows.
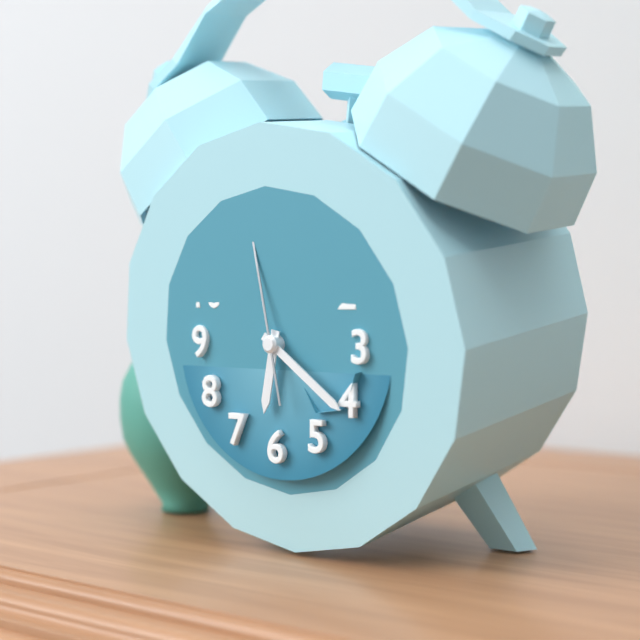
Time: 6h21m58s
